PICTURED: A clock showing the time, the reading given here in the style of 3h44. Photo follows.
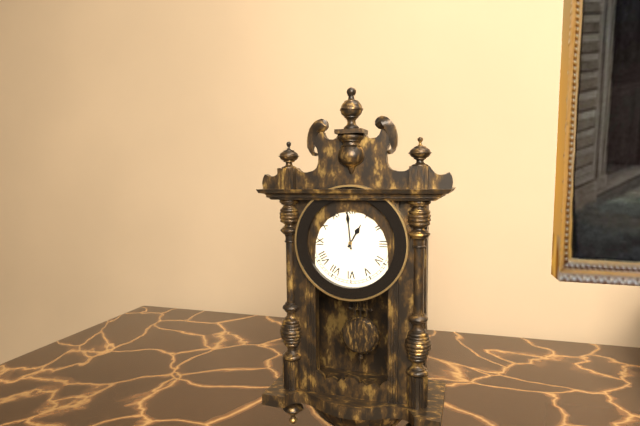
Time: 12h59
